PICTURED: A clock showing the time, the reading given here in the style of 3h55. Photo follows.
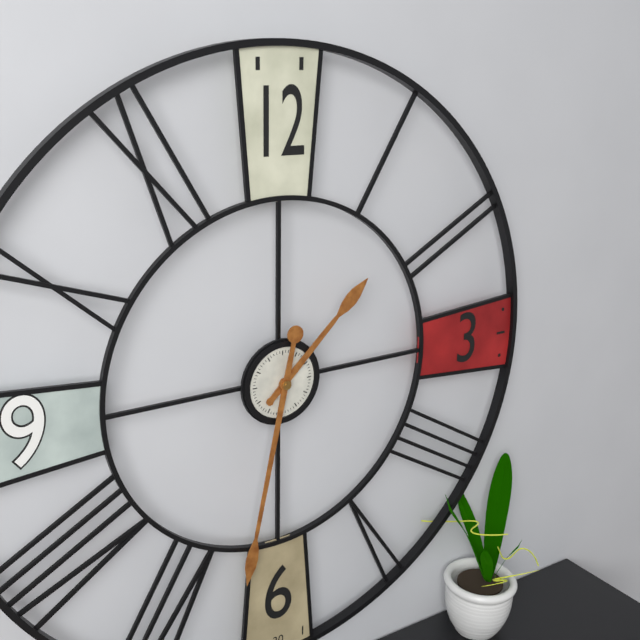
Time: 1h32
